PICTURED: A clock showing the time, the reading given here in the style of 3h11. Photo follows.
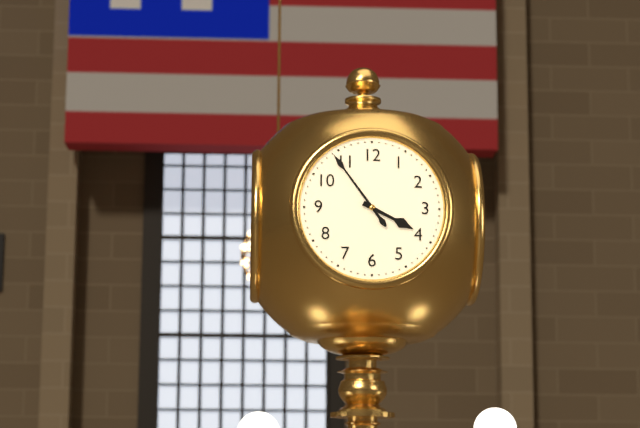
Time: 3h54
